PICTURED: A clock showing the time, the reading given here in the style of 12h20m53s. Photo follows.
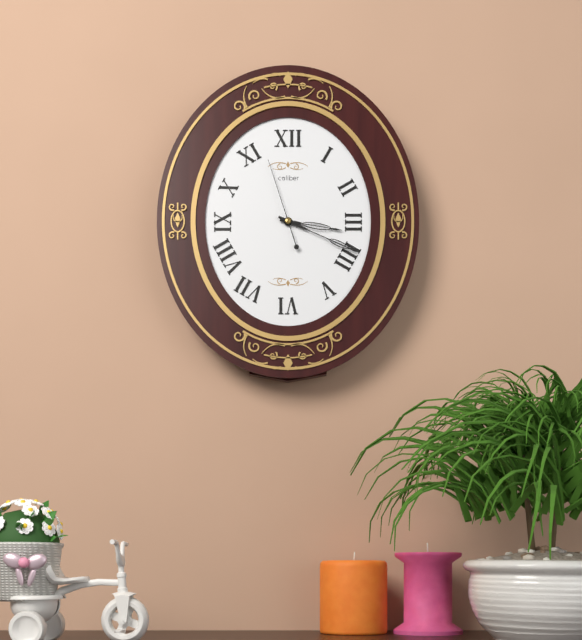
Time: 3h19m57s
